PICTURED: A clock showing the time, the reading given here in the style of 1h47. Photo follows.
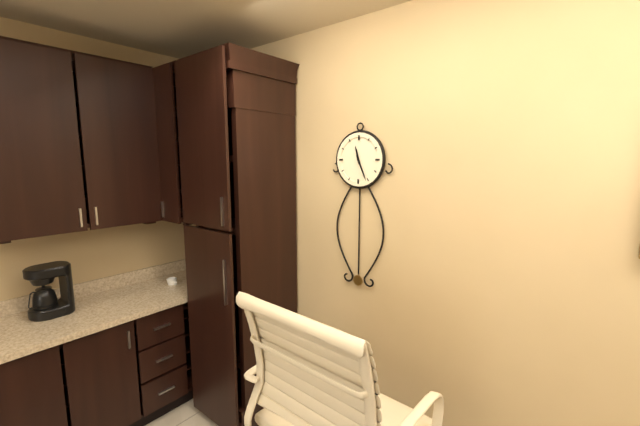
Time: 11h26
